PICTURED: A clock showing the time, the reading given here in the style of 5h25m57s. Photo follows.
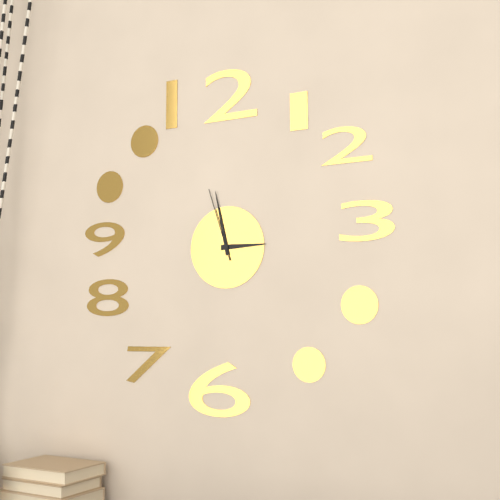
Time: 2h58m57s
